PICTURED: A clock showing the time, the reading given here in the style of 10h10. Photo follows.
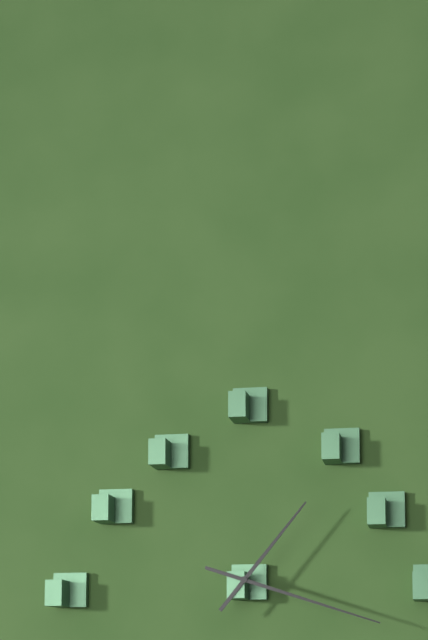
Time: 1h18
